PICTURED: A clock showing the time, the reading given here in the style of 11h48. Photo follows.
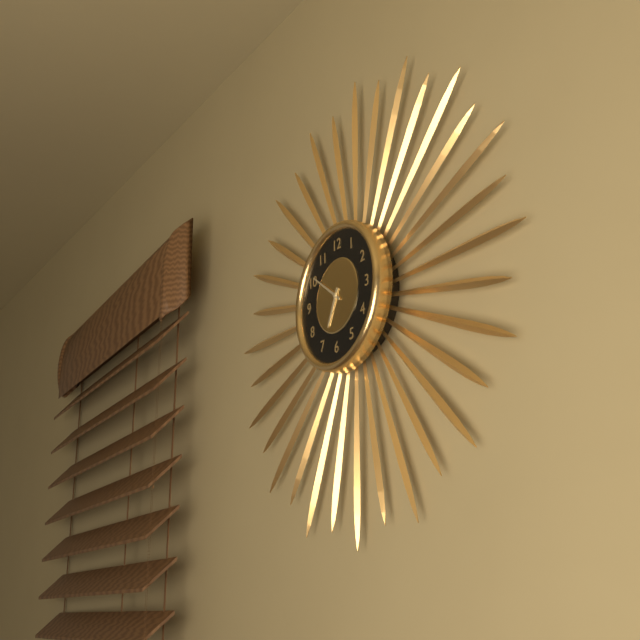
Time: 6h51
